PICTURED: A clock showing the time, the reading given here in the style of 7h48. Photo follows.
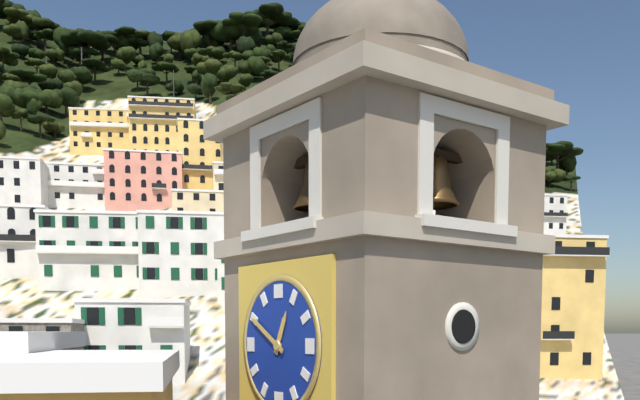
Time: 12h50
